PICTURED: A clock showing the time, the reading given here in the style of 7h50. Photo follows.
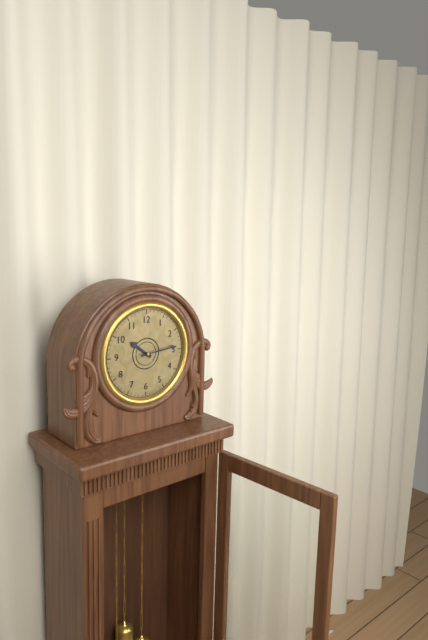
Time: 10h14
